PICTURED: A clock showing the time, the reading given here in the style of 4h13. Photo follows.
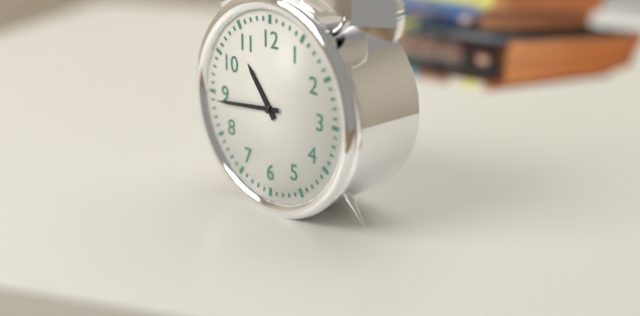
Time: 10h44
